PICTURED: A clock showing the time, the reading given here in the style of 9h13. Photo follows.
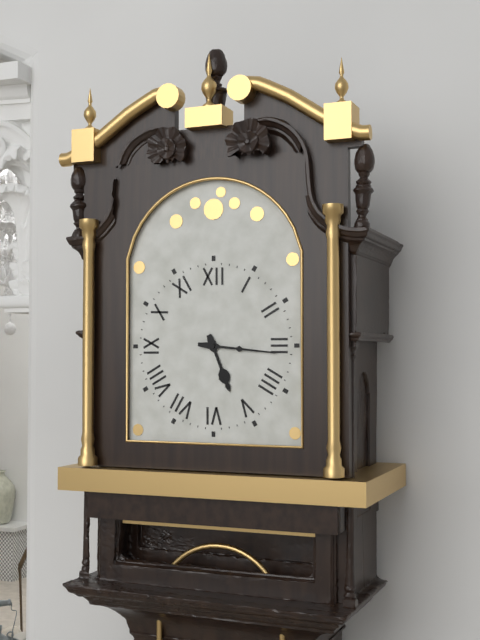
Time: 5h16
